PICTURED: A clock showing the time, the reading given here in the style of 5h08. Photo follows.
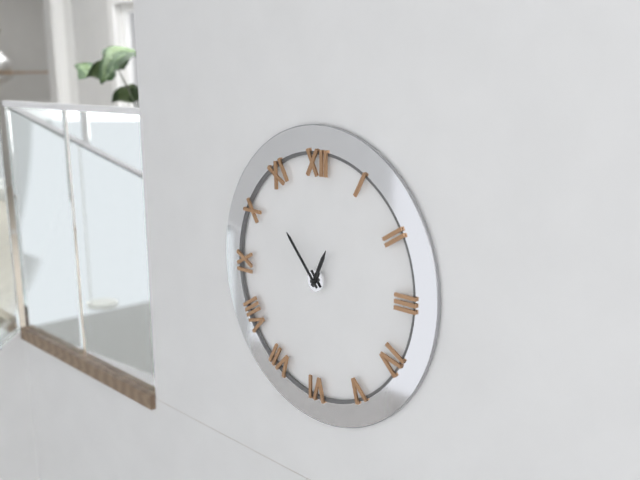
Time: 12h53
